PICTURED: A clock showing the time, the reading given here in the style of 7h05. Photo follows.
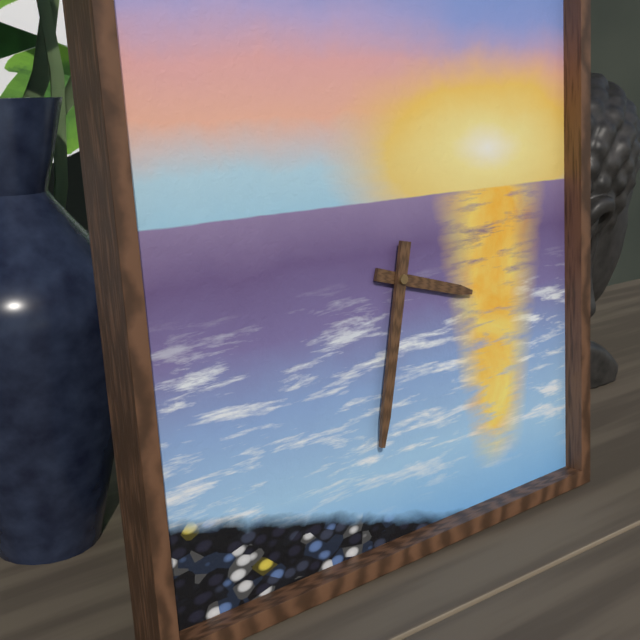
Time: 3h32
